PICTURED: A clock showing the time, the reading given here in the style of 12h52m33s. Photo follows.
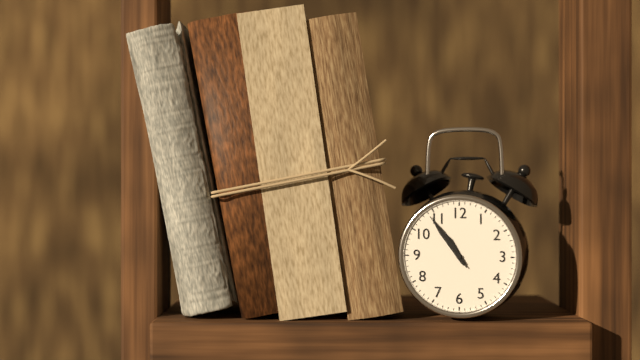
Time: 10h54m54s
